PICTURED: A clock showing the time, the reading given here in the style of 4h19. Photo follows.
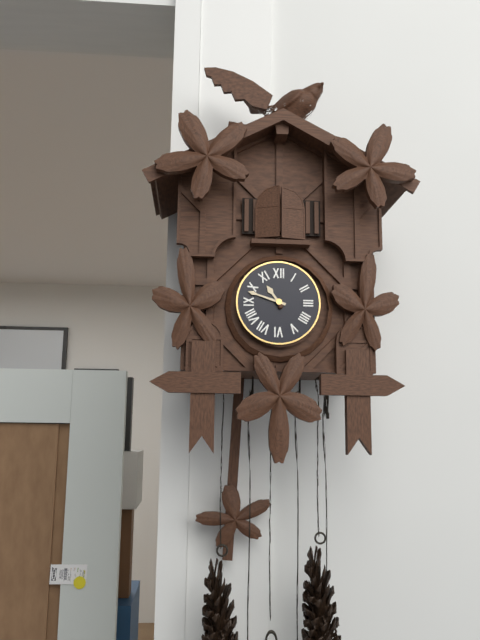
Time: 10h48
